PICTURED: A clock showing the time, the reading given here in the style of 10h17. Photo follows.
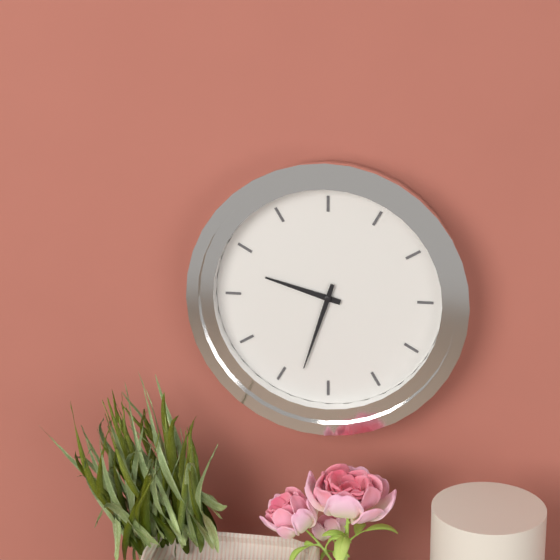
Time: 9h33
